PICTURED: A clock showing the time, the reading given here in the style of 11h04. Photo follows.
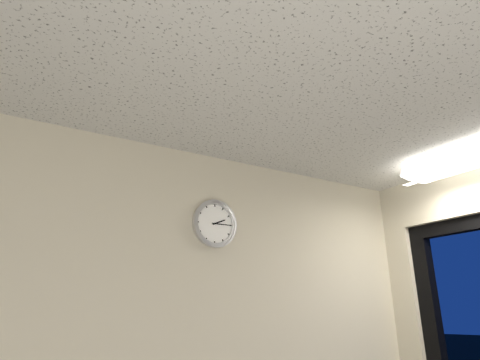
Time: 2h15
